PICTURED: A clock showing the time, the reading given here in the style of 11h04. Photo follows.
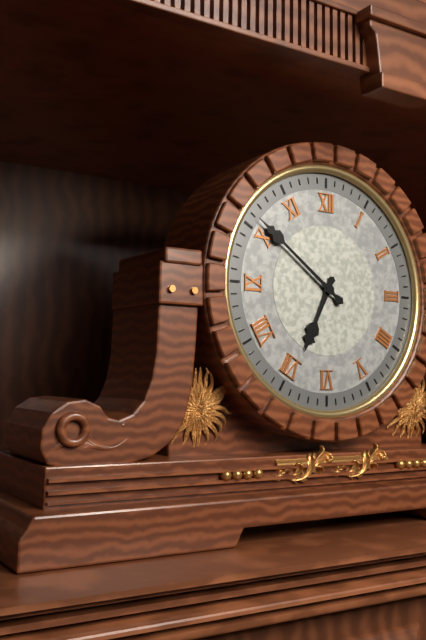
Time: 6h51
